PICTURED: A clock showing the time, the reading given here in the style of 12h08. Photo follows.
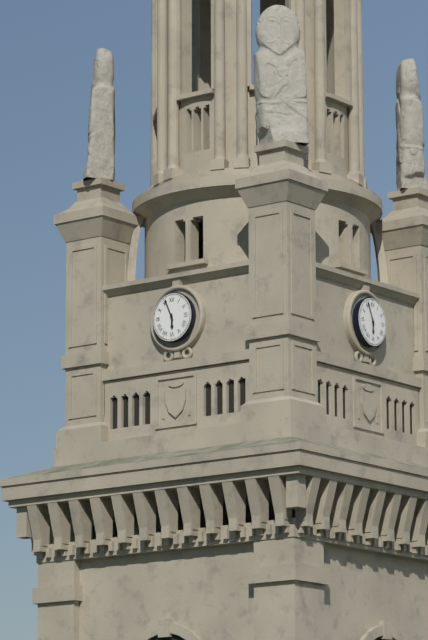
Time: 5h56
